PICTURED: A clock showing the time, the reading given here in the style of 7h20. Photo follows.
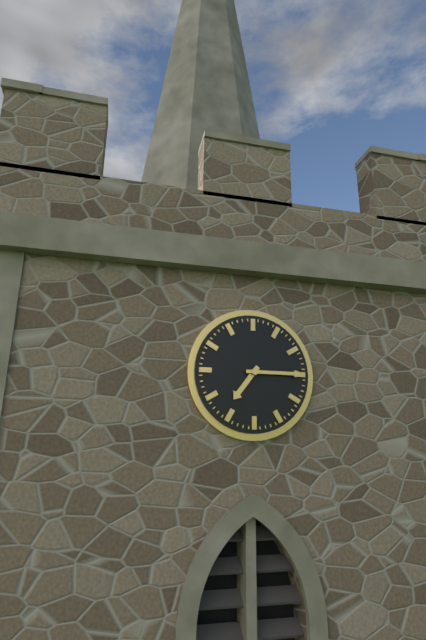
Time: 7h15
